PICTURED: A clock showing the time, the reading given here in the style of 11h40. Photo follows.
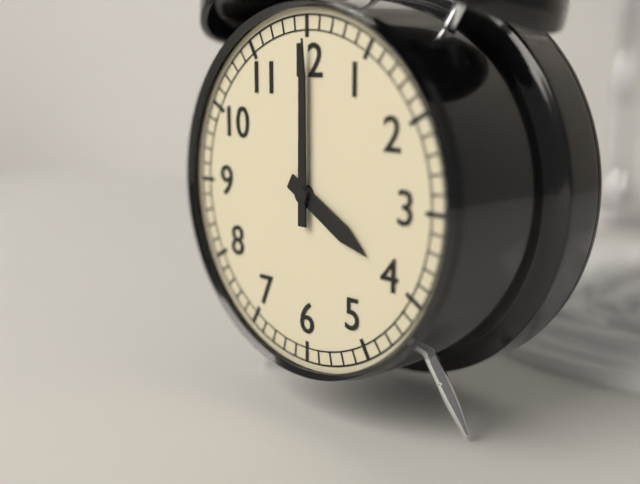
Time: 4h00
